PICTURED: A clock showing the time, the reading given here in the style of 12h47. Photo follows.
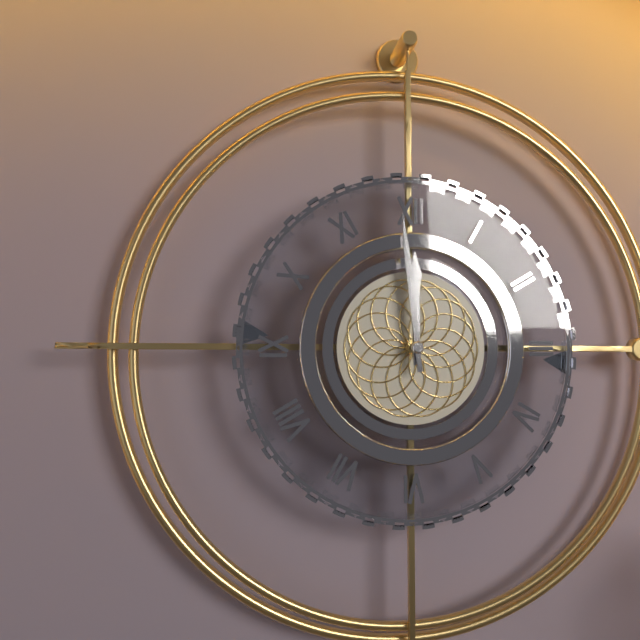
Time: 11h59
